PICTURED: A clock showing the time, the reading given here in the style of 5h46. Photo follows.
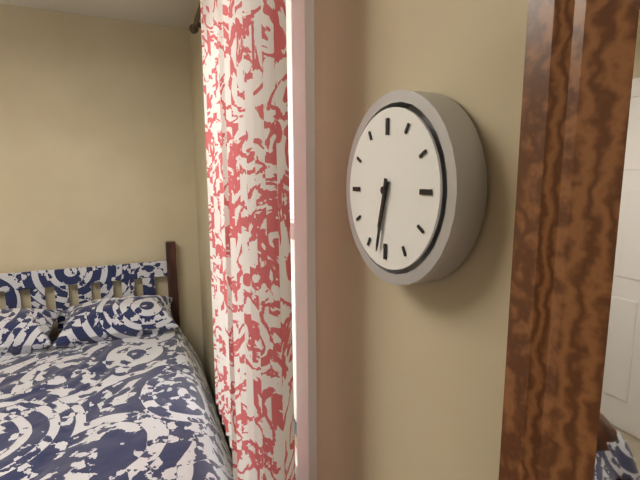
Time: 6h32
